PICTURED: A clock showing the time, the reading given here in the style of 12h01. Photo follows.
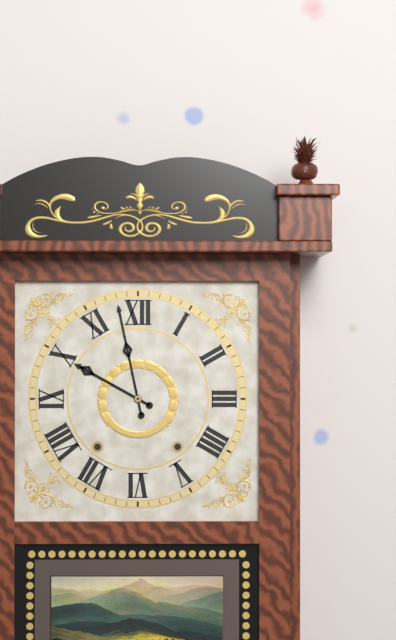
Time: 9h58
